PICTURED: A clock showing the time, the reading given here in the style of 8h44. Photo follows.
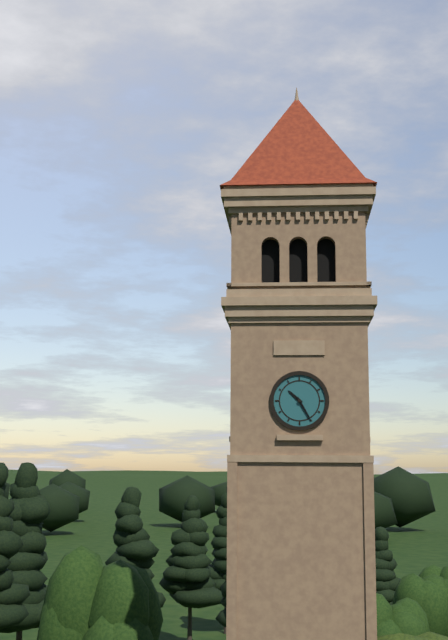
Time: 10h25
